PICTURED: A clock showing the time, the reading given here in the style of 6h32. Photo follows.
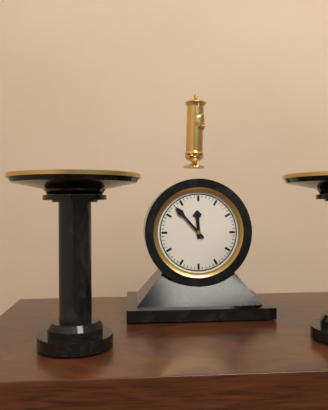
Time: 11h53
